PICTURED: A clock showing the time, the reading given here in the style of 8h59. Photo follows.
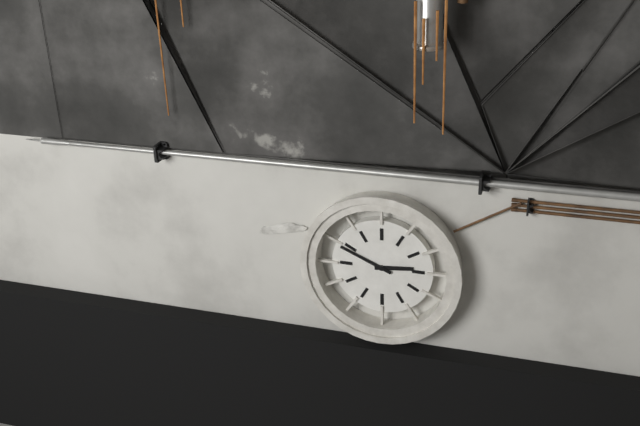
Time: 2h49
